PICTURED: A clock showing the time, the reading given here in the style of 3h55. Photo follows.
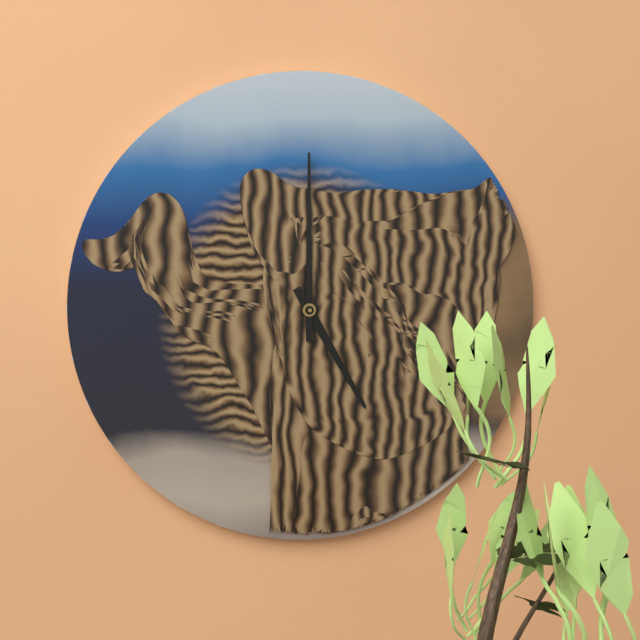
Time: 5h00
